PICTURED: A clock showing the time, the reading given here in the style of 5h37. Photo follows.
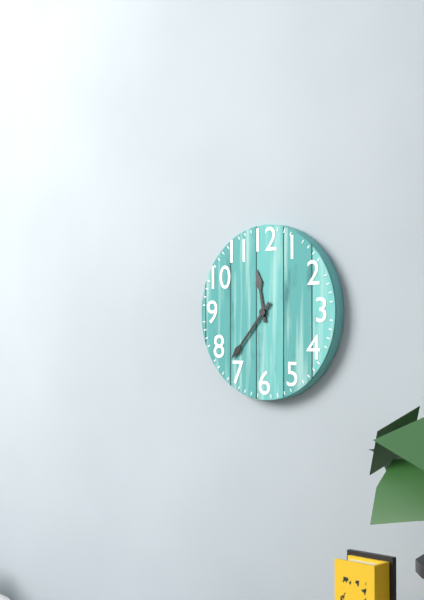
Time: 11h37
